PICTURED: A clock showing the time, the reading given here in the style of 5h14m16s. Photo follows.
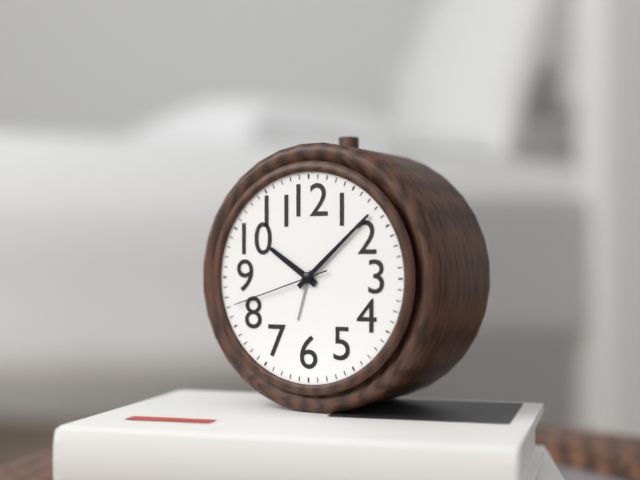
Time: 10h08m42s
